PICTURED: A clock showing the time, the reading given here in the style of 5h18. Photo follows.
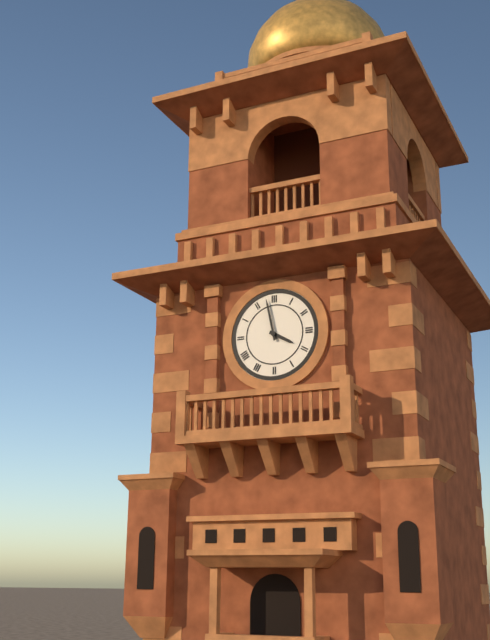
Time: 3h58
